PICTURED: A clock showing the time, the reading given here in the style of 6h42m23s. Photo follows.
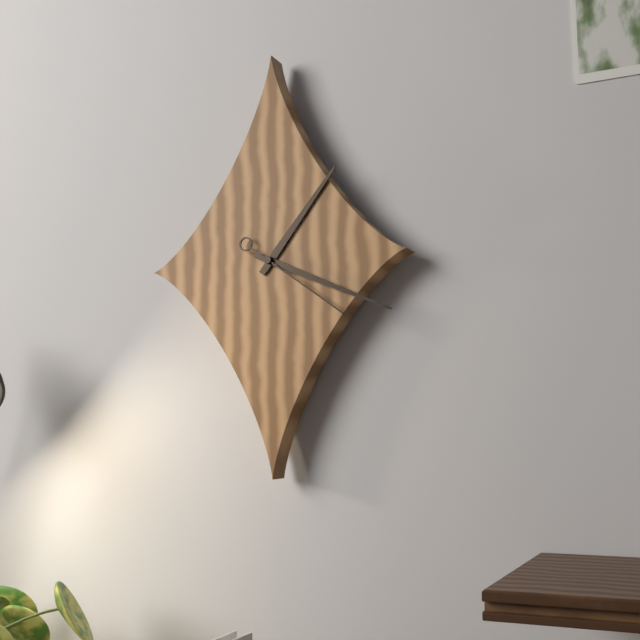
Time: 1h19m21s
